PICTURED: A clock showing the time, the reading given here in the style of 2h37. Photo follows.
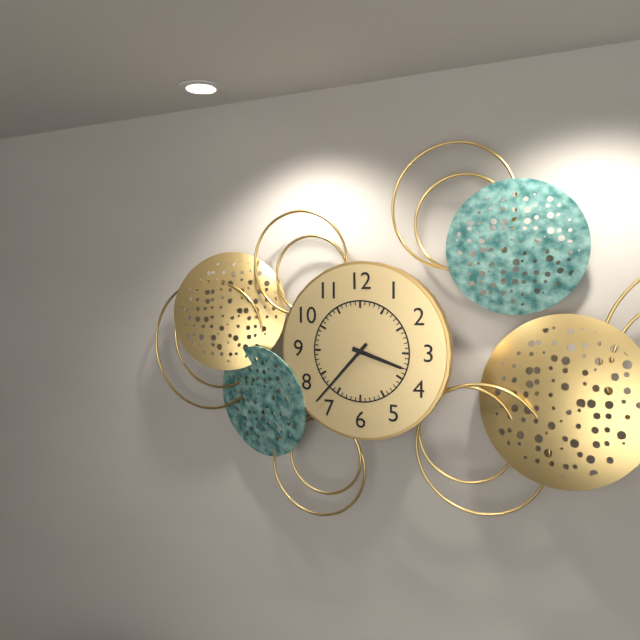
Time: 3h37
